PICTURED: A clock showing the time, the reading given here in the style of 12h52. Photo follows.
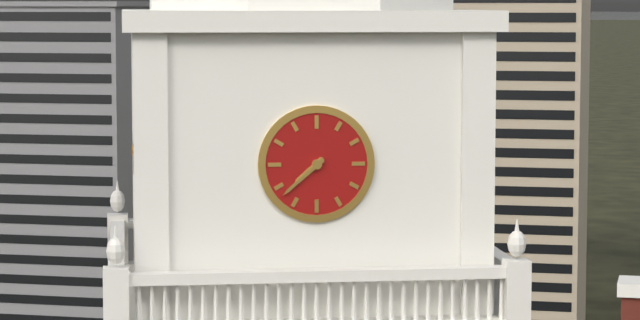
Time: 7h38
